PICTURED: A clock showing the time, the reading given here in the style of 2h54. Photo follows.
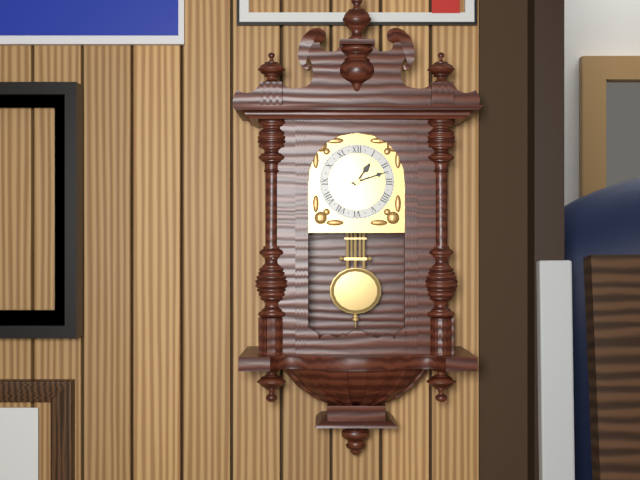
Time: 1h12
